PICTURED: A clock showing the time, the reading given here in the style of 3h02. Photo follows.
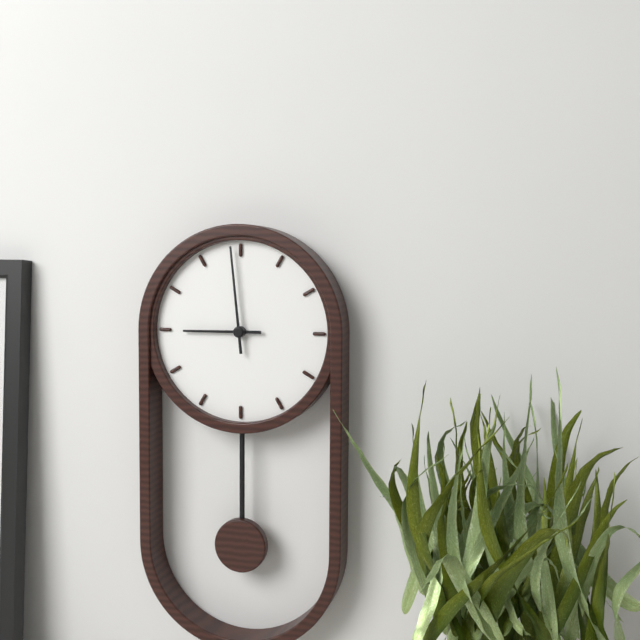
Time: 8h59
